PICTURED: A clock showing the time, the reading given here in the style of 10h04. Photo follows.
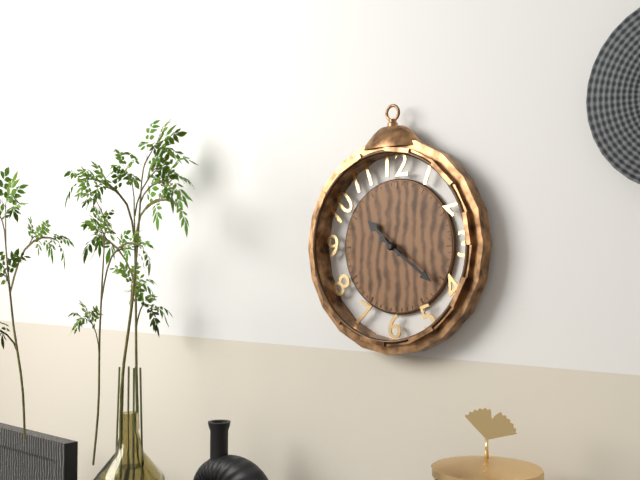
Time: 10h21
